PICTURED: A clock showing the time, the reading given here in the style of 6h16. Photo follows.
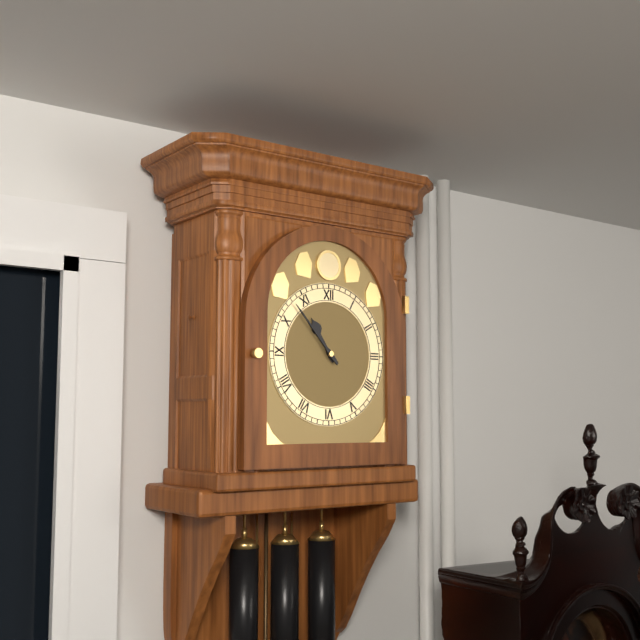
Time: 10h53
